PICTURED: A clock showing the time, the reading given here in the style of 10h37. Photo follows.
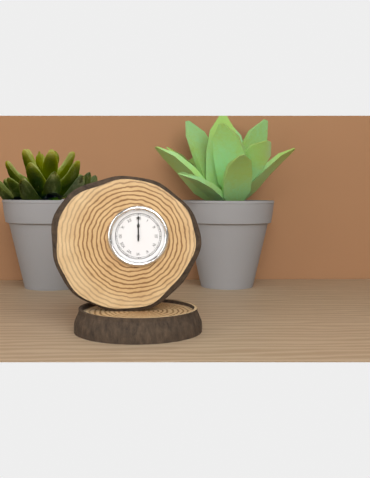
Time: 12h00
